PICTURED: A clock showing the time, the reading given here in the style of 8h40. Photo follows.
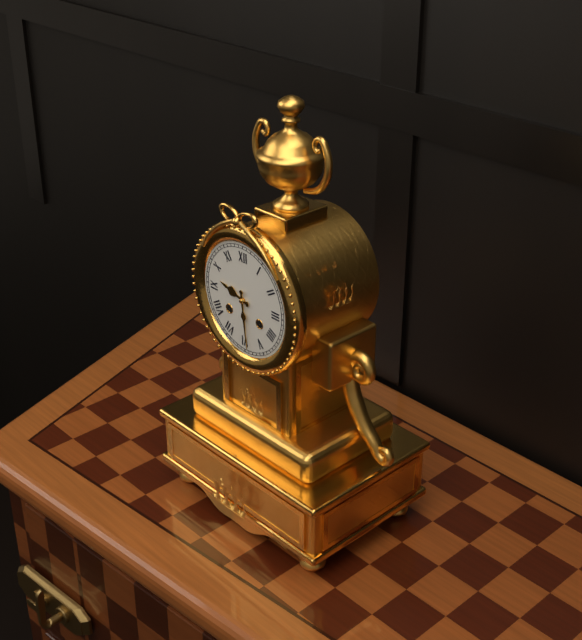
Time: 9h29
